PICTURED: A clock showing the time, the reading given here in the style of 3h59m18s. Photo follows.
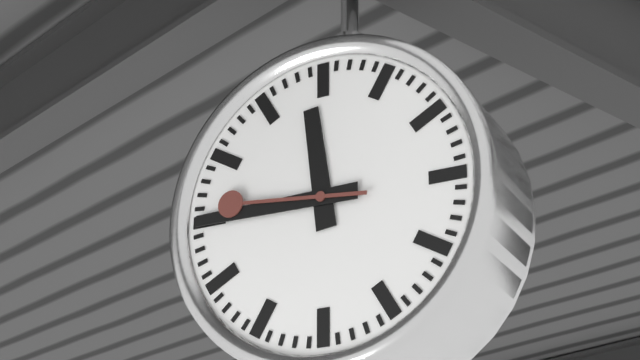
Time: 11h45m46s
